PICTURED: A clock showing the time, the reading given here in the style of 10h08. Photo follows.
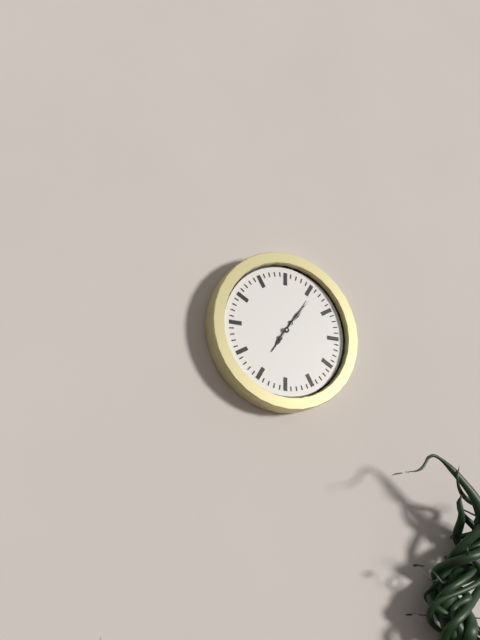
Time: 7h06
